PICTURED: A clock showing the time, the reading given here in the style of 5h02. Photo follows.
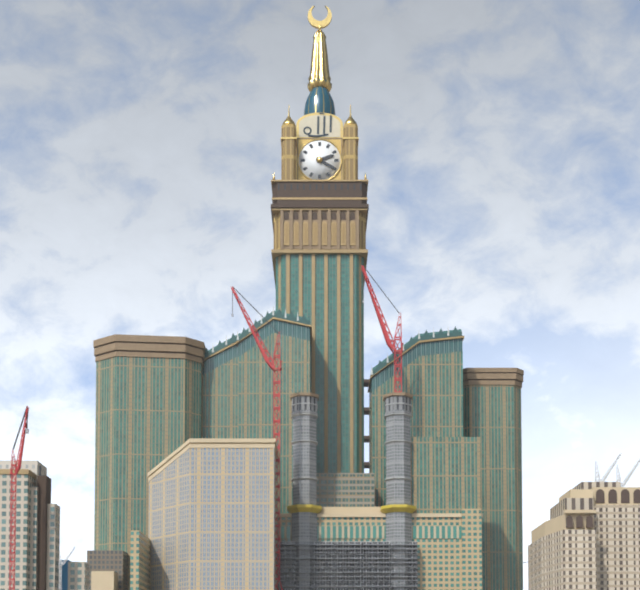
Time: 2h20
